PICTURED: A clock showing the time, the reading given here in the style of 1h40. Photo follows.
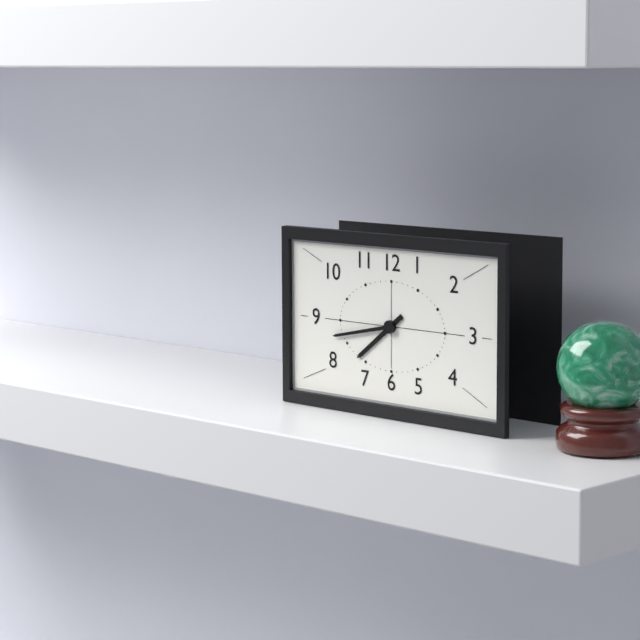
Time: 7h43
